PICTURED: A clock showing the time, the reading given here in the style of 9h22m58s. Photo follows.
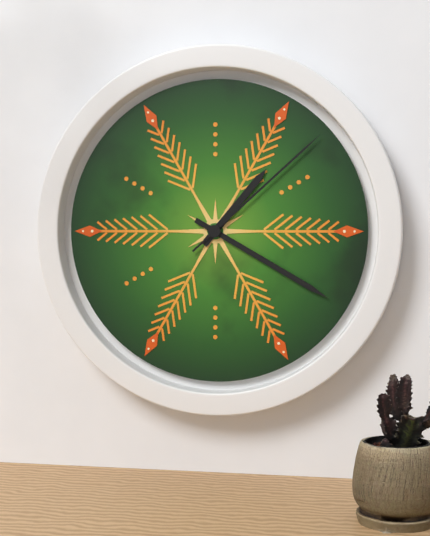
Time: 1h20m08s
